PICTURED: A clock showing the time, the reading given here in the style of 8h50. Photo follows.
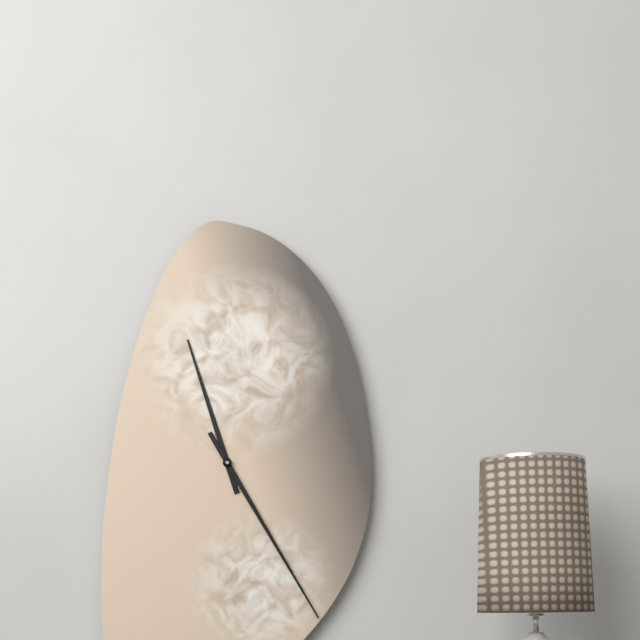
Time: 11h25
